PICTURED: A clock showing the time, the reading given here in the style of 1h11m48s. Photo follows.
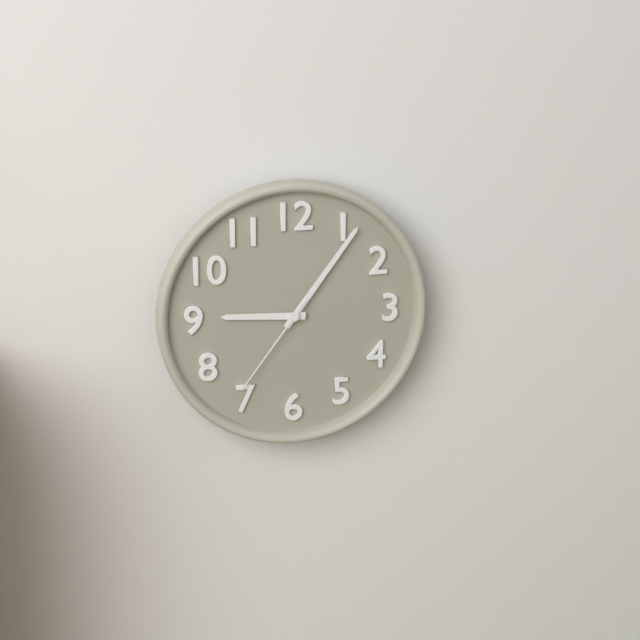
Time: 9h06m36s
